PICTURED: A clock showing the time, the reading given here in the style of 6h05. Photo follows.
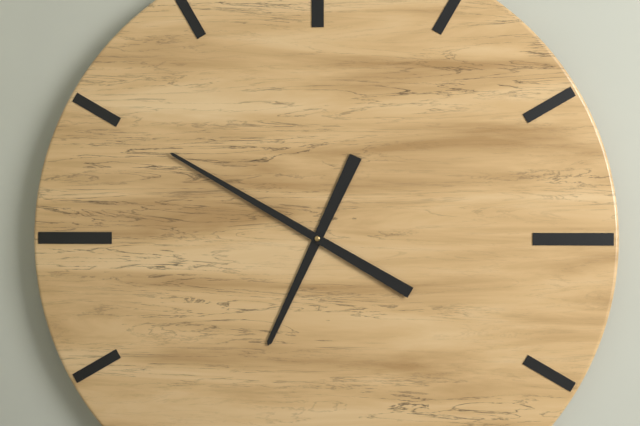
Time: 6h50
